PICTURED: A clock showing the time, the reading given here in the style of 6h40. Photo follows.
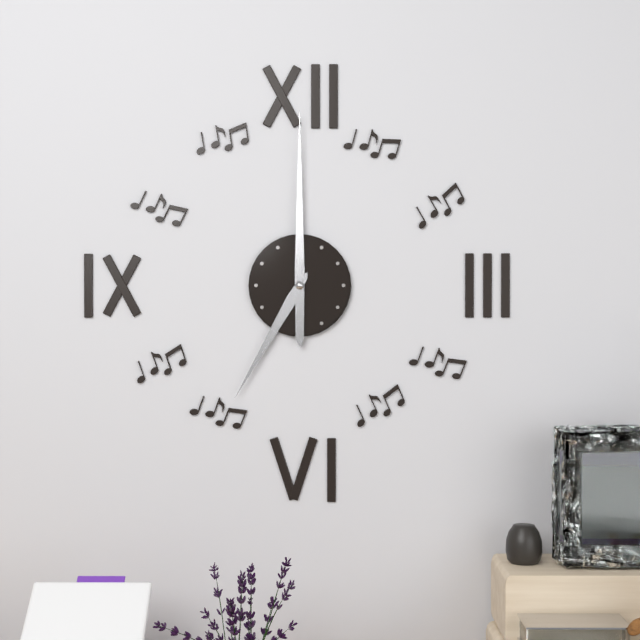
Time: 7h00
